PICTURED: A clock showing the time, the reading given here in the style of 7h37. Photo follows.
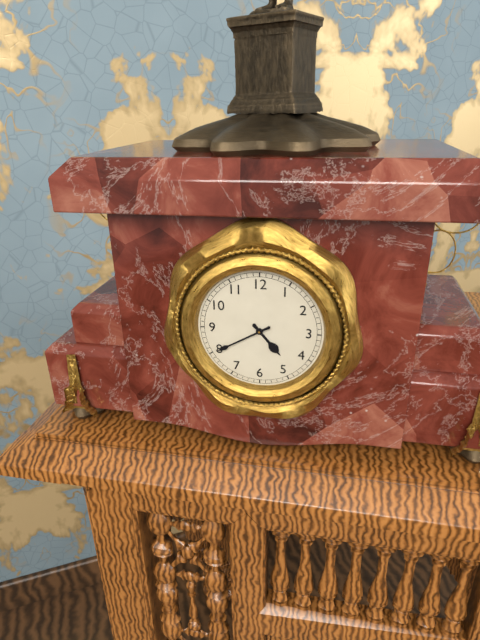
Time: 4h40
